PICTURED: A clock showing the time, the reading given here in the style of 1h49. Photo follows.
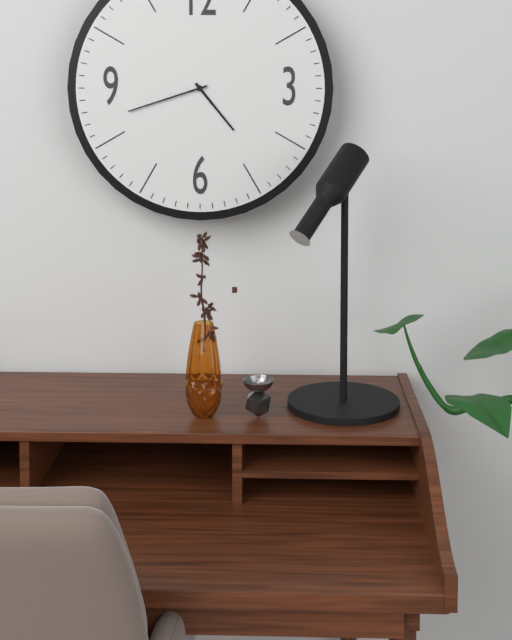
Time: 4h42
